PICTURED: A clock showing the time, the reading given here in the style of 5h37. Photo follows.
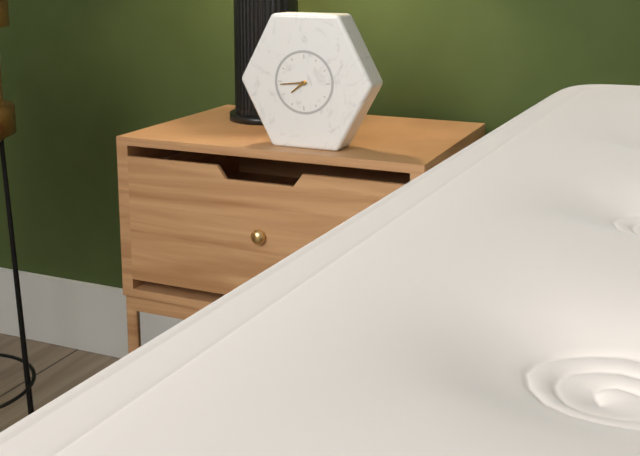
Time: 7h44
